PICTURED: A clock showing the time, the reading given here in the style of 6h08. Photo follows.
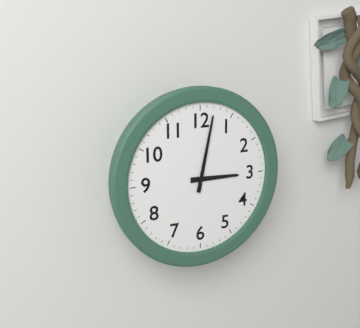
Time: 3h02
